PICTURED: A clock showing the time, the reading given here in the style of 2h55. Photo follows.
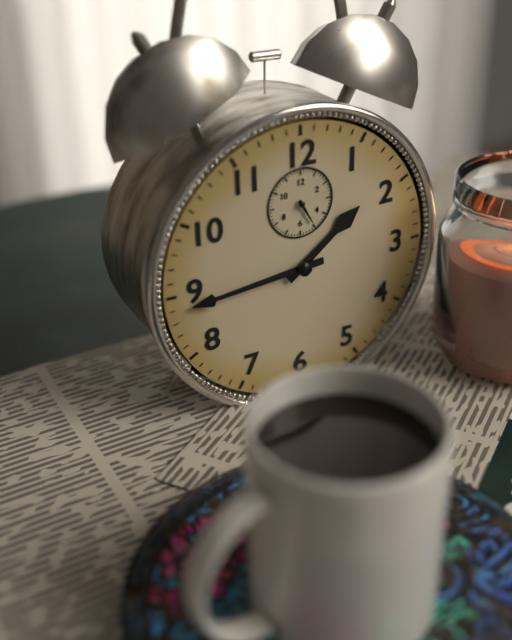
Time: 1h44
